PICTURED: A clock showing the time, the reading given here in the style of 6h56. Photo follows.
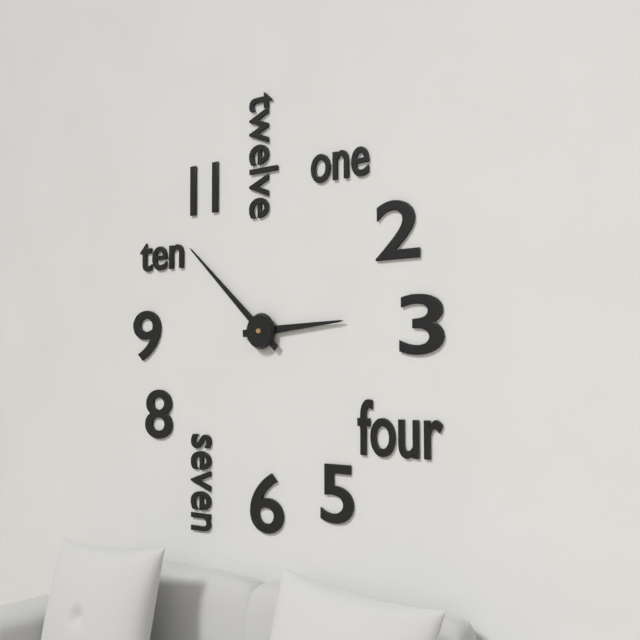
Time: 2h52
